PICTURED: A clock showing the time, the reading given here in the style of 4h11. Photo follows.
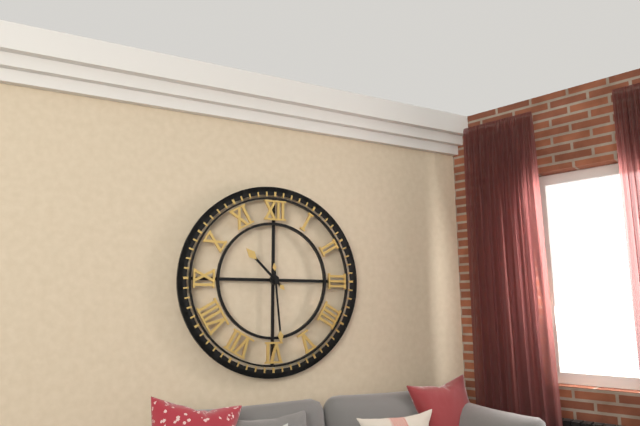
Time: 10h29
